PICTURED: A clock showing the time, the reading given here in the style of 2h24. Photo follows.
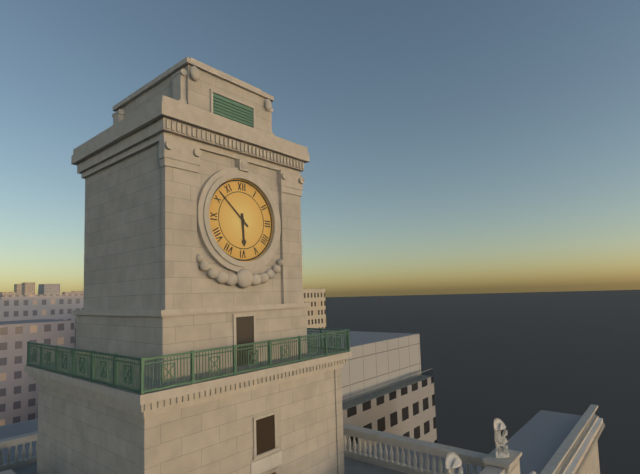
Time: 5h52
